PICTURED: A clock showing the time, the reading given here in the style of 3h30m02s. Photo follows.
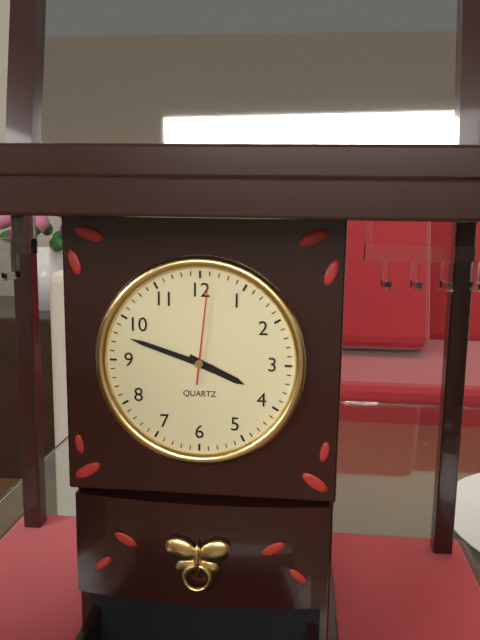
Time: 3h48m01s
